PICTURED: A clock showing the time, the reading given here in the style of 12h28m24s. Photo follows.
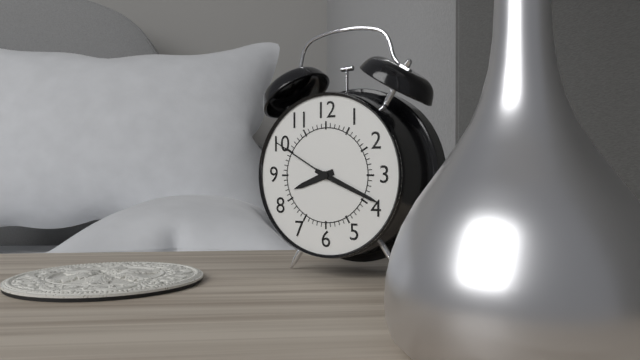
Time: 8h19m50s
